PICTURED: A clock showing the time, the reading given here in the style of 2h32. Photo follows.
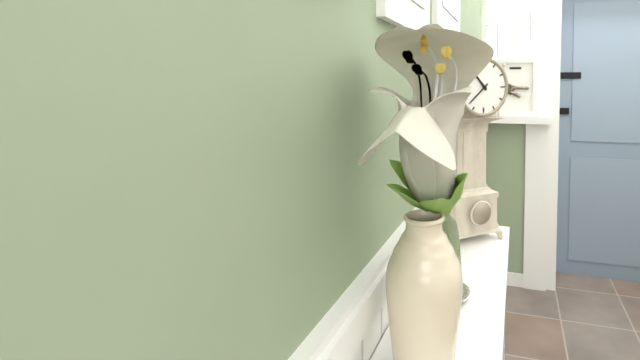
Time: 10h38
